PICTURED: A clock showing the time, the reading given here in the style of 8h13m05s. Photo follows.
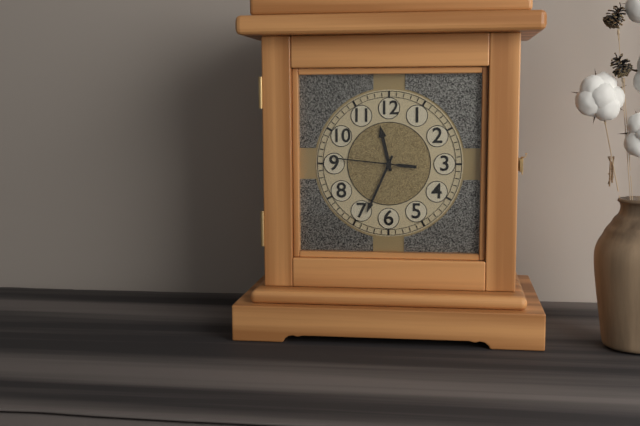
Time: 11h34m46s
